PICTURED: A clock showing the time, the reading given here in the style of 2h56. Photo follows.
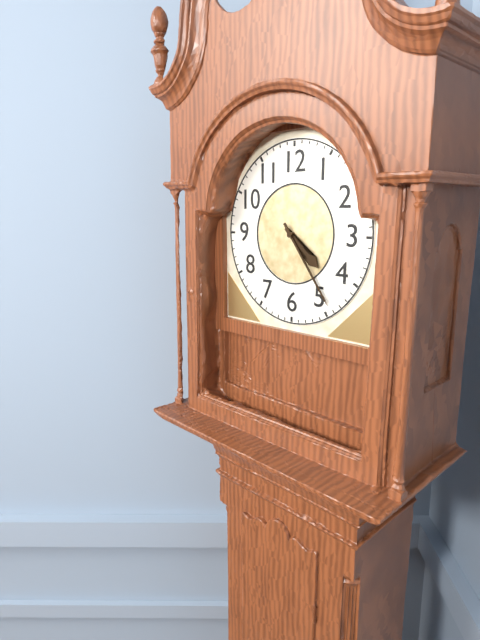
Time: 4h24
